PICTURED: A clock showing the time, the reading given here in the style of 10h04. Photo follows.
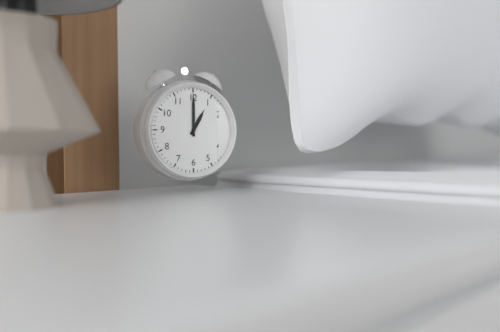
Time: 1h00
